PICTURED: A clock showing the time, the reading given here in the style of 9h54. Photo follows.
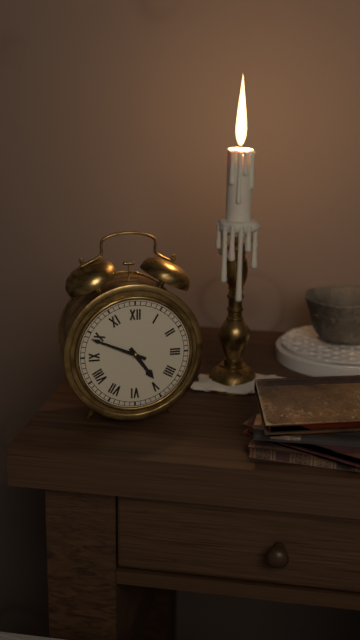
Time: 4h49
